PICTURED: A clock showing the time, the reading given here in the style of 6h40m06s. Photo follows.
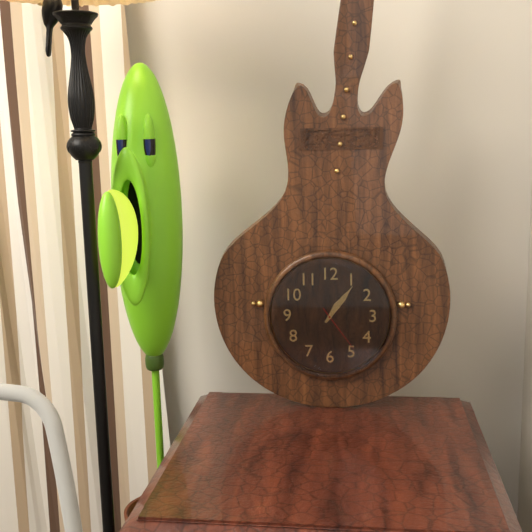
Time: 1h06m24s
